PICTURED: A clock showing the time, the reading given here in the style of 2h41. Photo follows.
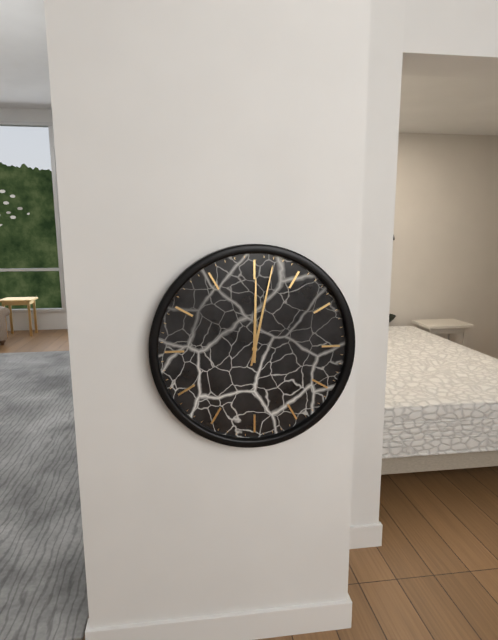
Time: 12h02
